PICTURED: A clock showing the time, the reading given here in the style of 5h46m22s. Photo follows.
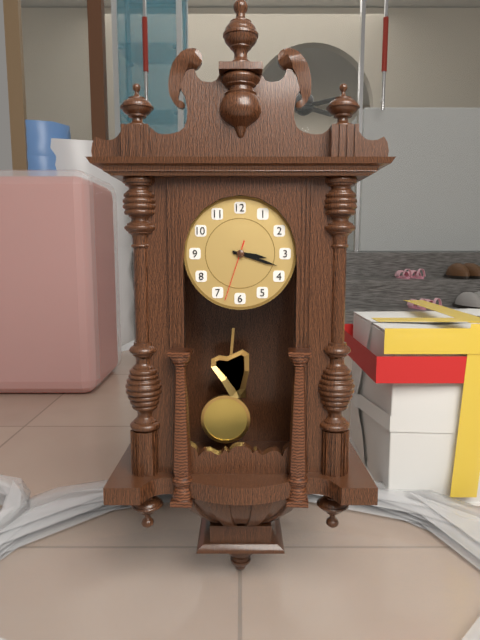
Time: 3h18m33s
